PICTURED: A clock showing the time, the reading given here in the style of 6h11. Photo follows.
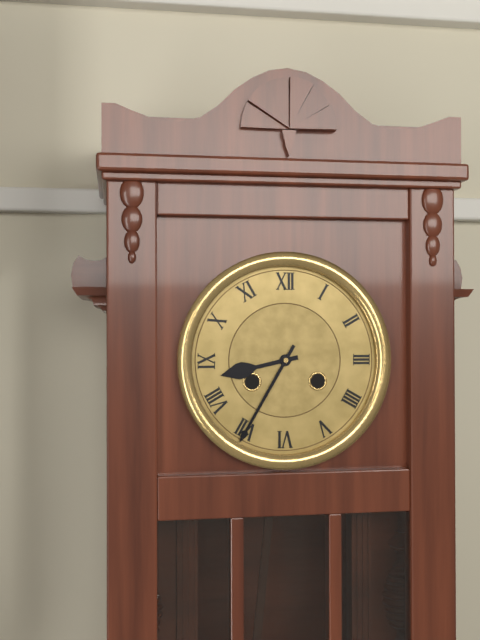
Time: 8h35
